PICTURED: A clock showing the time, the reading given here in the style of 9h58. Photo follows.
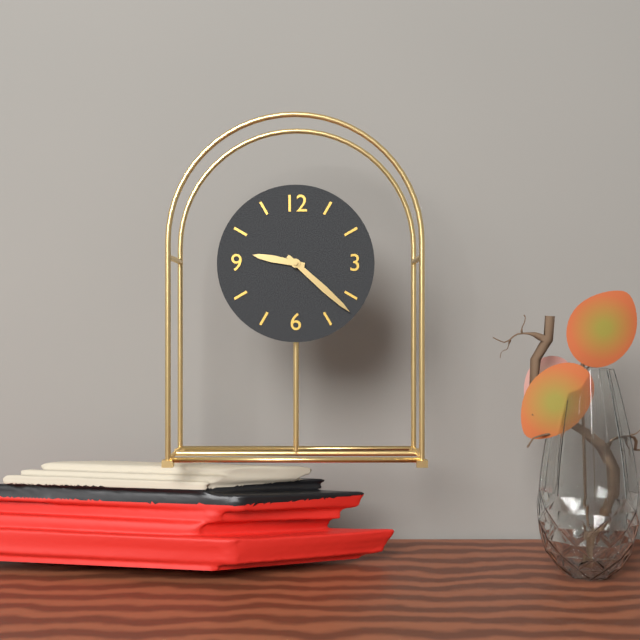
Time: 9h22
